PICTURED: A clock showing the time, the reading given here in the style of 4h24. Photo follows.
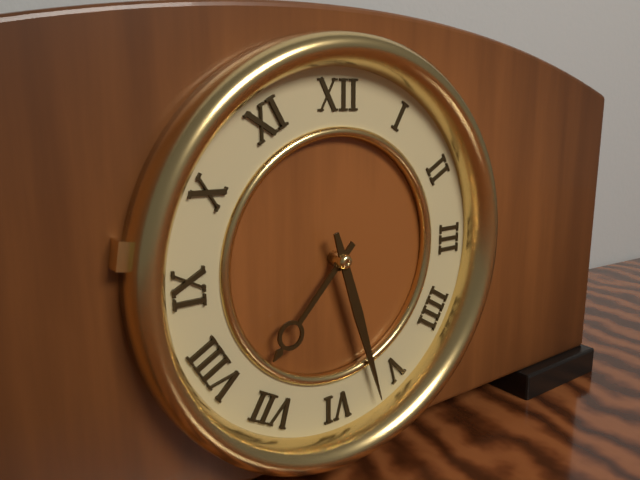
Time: 7h27
